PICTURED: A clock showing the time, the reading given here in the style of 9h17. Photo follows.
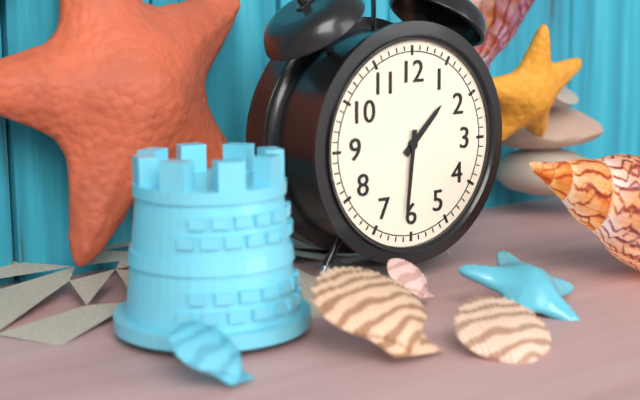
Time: 1h31
